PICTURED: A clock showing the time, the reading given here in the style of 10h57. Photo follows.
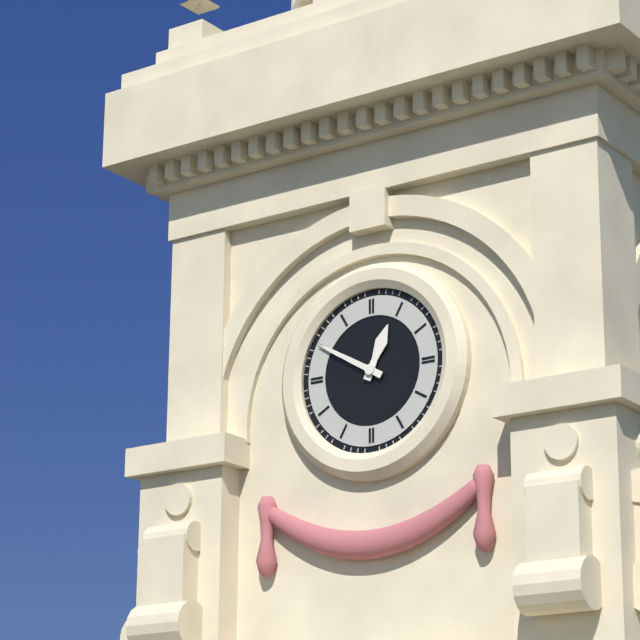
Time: 12h50
